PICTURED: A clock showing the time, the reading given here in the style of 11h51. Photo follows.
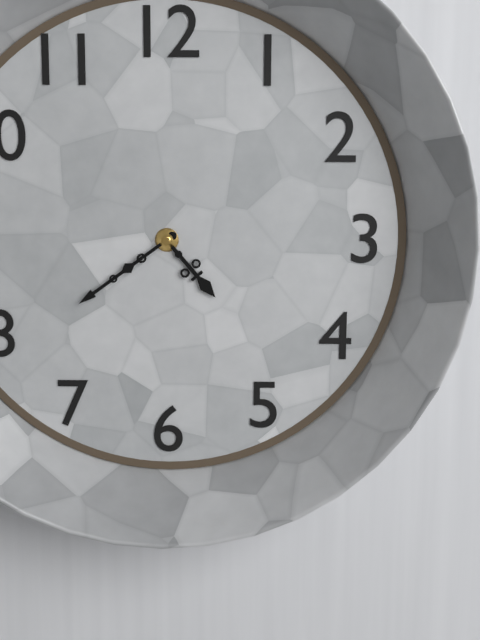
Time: 4h39
